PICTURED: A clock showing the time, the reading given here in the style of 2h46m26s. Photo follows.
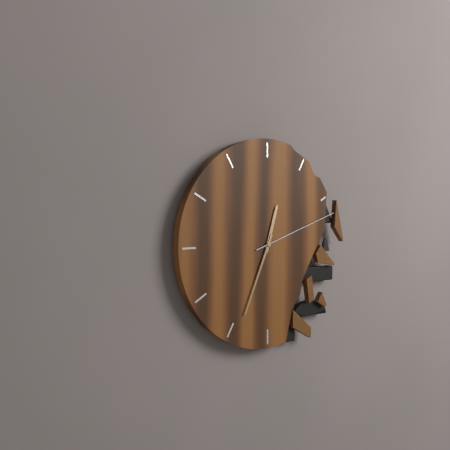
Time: 12h34m12s
